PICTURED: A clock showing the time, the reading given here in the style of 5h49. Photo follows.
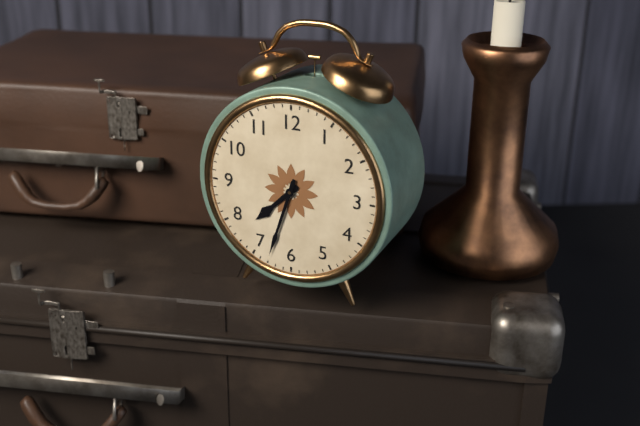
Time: 7h33
